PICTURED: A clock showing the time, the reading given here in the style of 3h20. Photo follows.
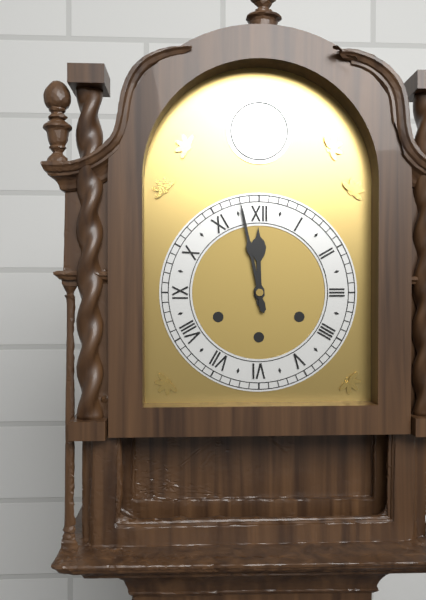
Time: 11h58
